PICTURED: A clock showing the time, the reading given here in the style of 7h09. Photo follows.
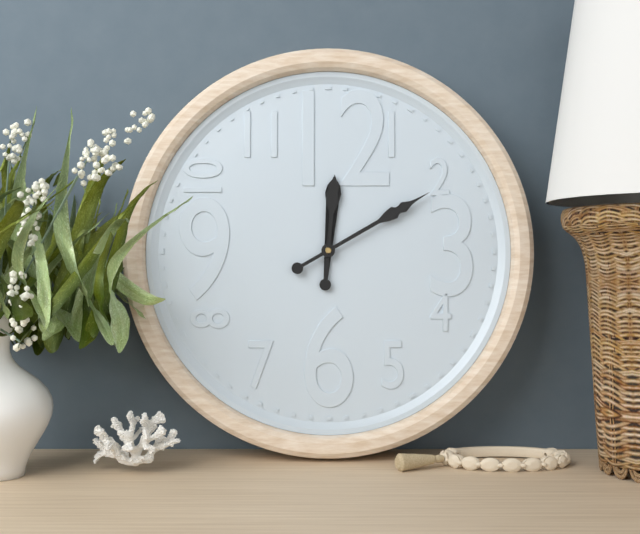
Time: 12h10
